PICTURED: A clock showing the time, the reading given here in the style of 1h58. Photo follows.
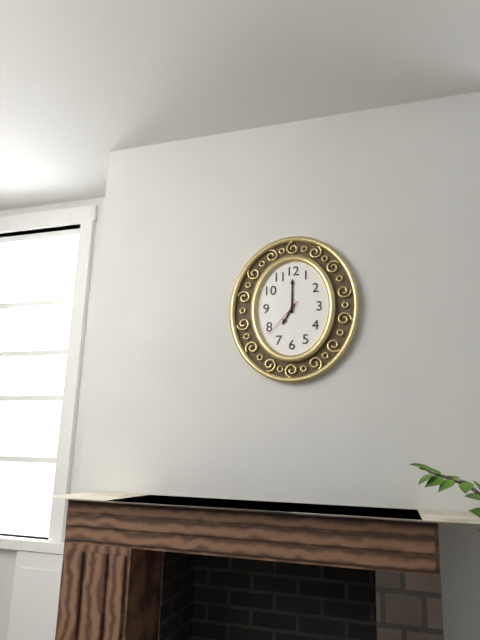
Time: 7h00
